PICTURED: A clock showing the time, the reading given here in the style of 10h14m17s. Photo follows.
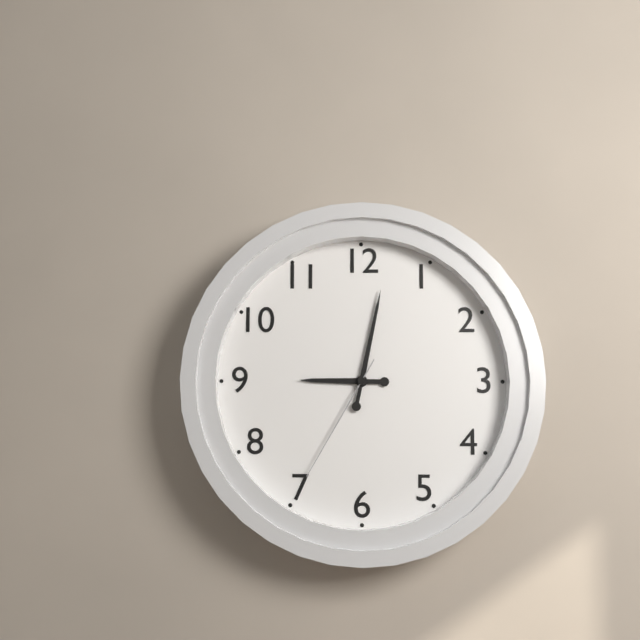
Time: 9h02m35s
